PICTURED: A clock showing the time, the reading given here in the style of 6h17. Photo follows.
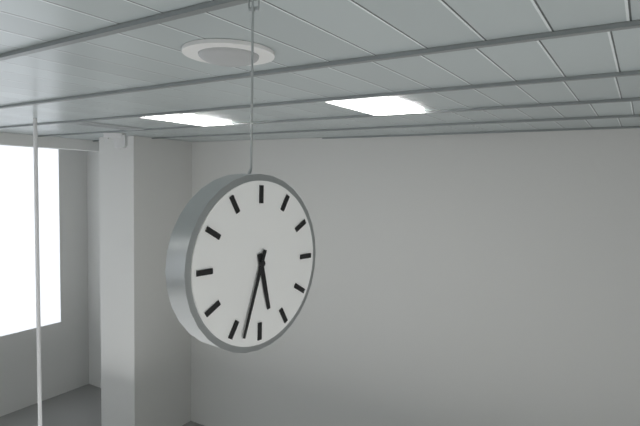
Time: 5h33
